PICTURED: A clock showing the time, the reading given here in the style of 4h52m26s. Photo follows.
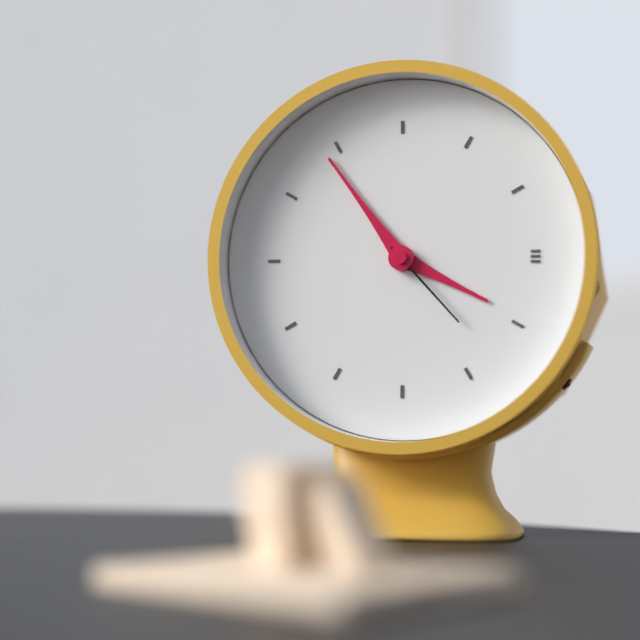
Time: 3h54m23s
